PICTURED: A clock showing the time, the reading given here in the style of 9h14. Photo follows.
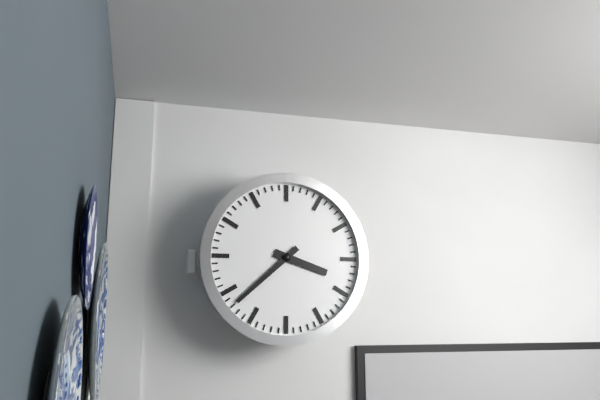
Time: 3h38
